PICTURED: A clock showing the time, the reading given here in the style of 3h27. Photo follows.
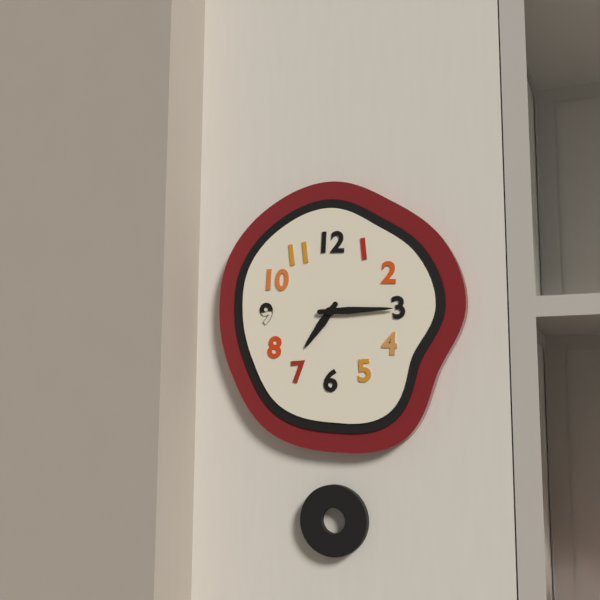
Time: 7h15
